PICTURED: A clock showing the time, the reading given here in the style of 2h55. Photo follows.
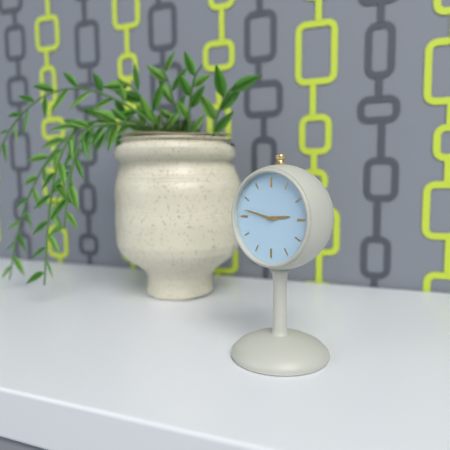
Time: 2h47
